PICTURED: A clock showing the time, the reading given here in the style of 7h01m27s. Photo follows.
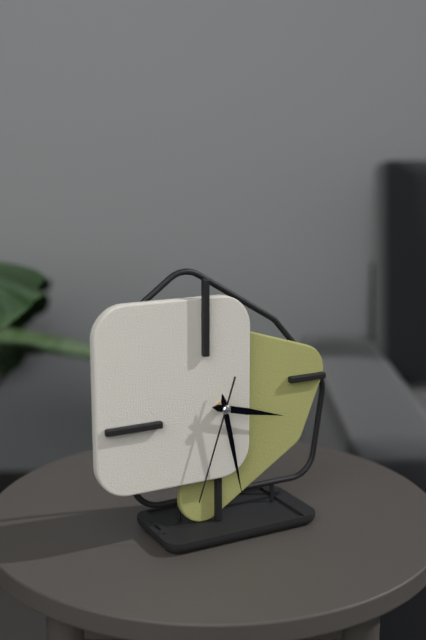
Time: 3h28m33s
